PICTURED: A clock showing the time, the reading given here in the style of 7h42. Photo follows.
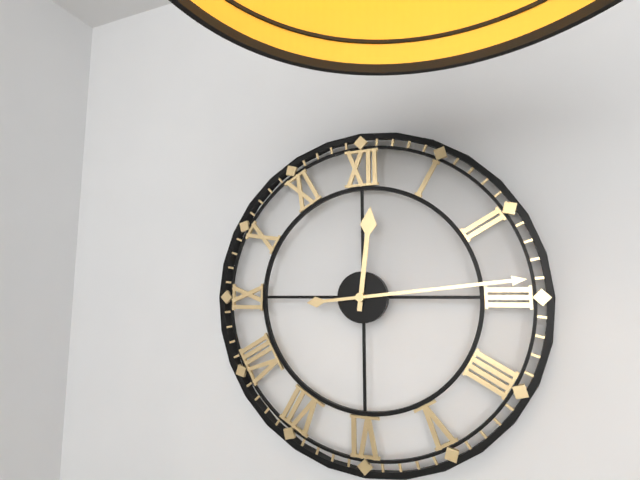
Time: 12h14
